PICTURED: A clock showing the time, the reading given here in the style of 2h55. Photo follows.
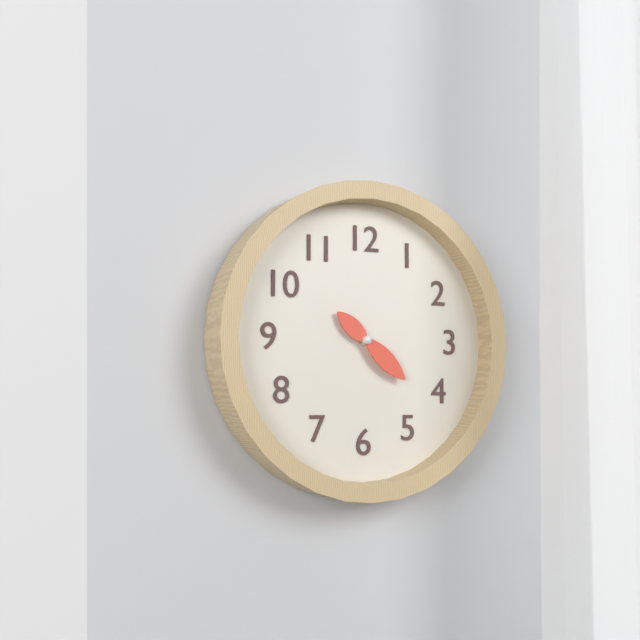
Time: 10h22
